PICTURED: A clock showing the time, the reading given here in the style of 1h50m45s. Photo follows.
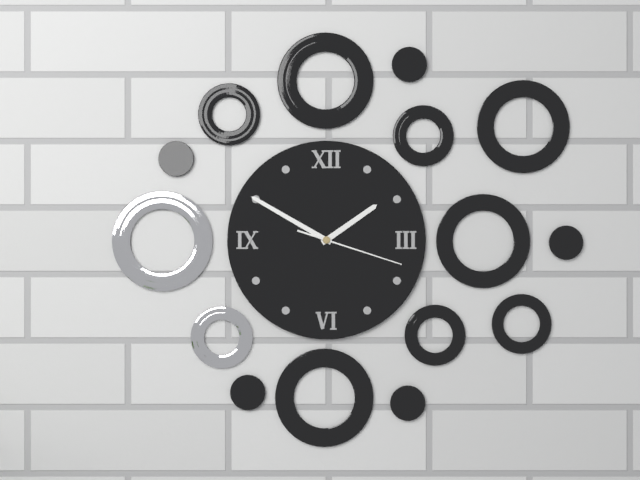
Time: 1h50m18s
